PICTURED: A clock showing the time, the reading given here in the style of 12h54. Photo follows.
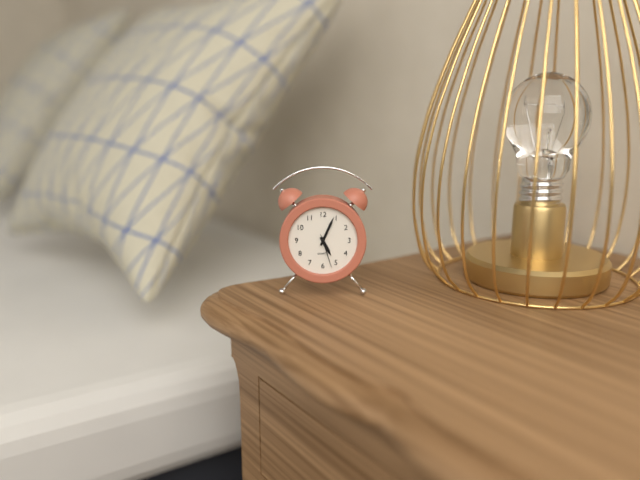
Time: 5h04
